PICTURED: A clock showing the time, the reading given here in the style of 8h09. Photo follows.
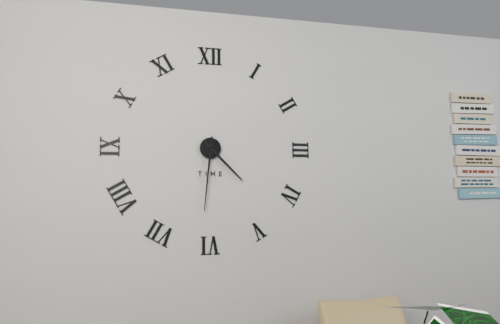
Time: 4h31
